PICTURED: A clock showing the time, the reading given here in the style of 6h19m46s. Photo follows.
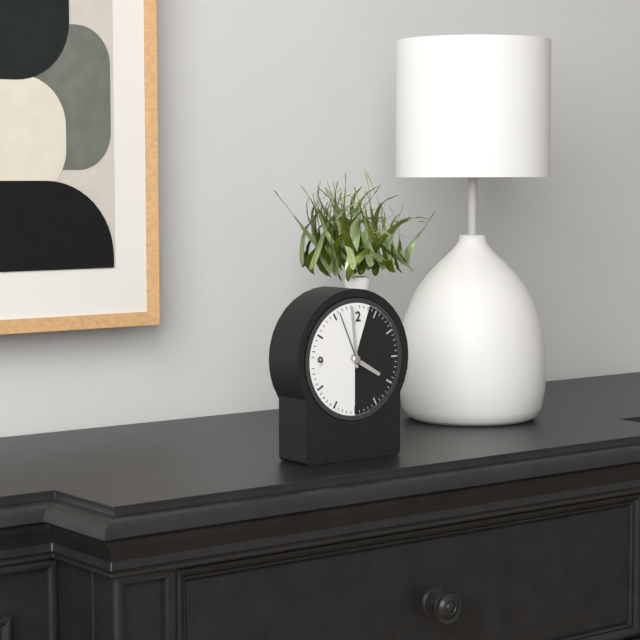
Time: 3h59m56s
